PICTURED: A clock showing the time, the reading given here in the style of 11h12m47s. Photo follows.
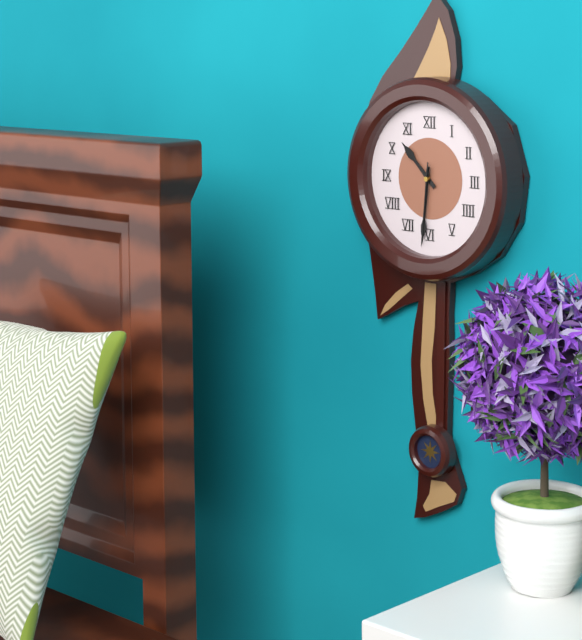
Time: 10h31m31s
